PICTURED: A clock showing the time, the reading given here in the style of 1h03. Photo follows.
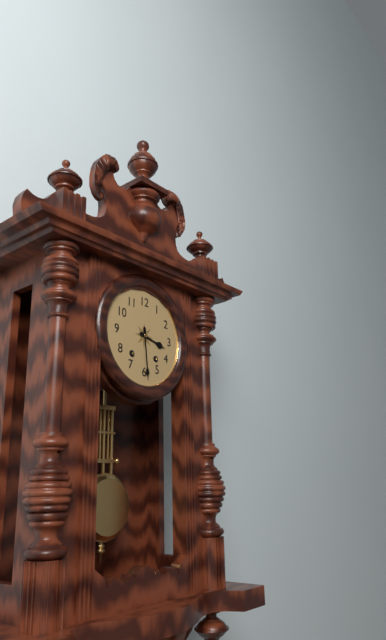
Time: 3h29
